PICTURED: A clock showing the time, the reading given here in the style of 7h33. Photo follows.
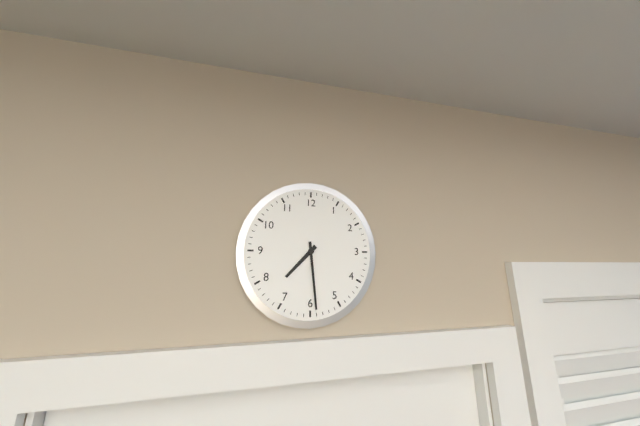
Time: 7h29
